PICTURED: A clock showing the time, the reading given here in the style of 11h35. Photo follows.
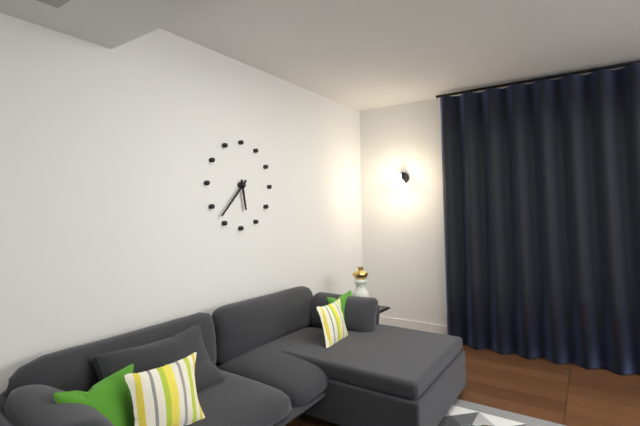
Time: 5h37
